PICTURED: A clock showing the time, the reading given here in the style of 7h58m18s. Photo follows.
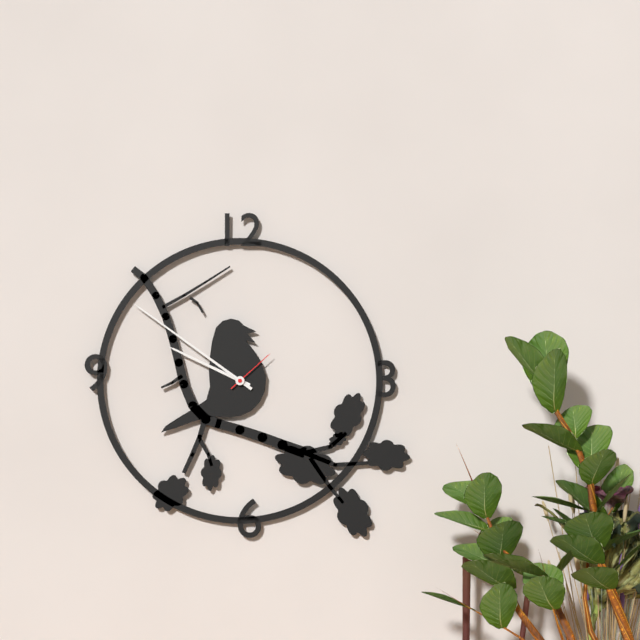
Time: 9h51m08s
